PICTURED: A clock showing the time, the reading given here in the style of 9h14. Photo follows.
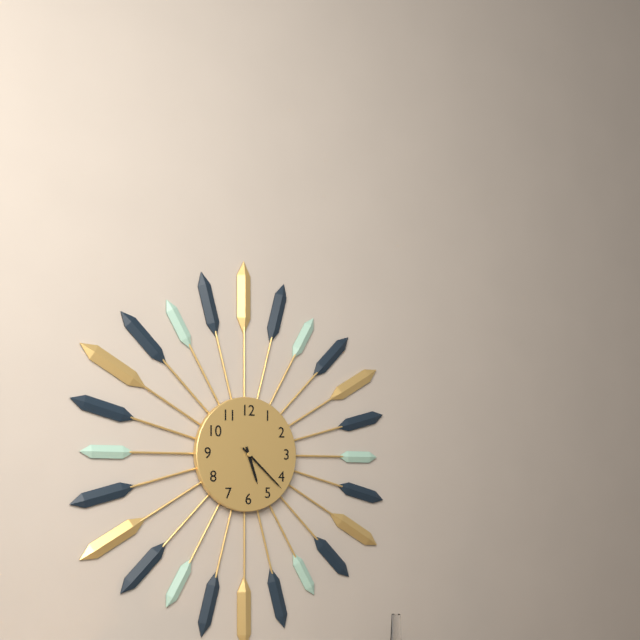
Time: 5h22
